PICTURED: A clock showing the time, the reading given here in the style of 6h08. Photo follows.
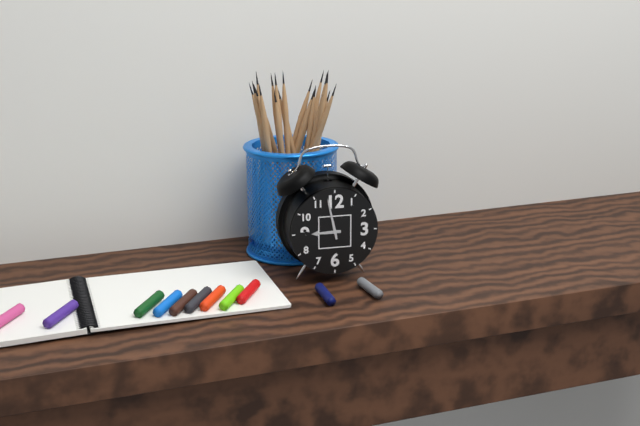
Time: 8h58
